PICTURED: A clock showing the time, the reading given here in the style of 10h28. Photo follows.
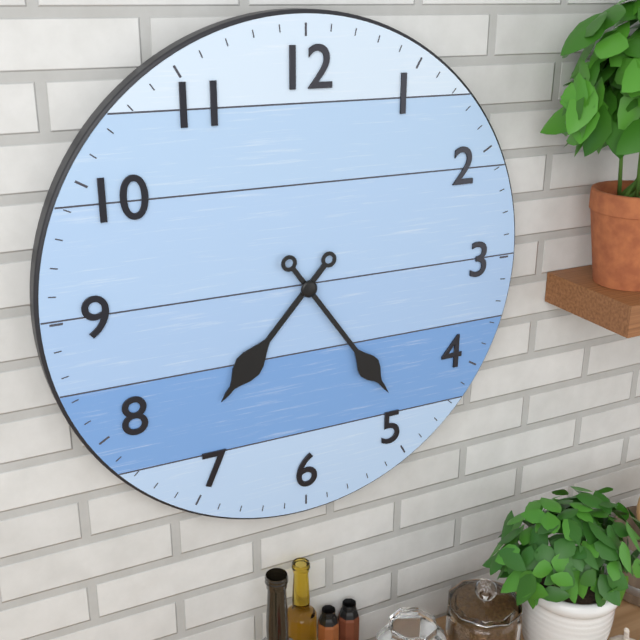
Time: 7h24
